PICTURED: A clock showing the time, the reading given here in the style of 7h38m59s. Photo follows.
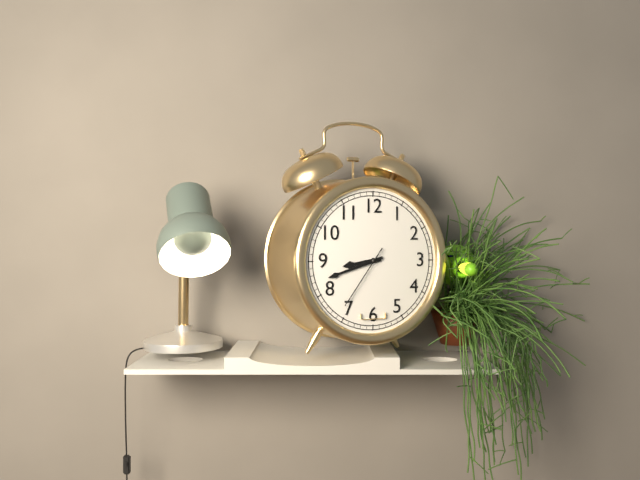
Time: 8h42m36s
